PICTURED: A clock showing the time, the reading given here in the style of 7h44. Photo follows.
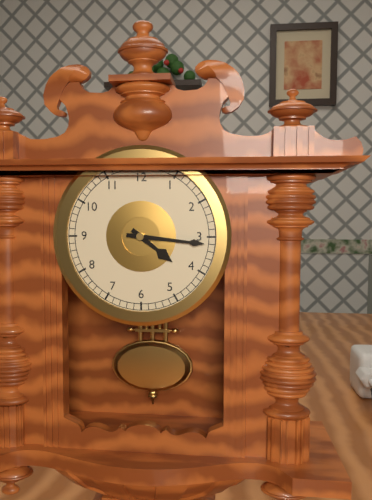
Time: 4h16
